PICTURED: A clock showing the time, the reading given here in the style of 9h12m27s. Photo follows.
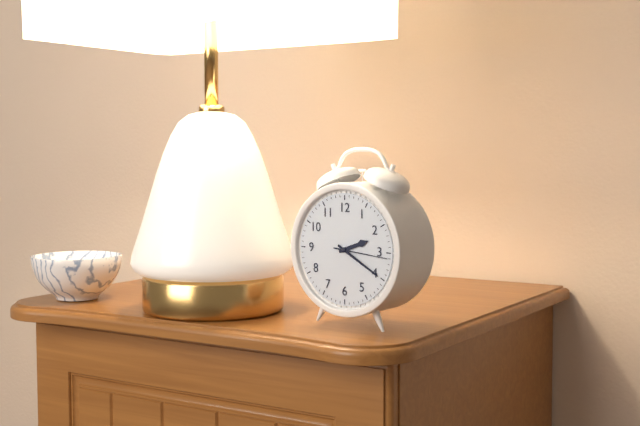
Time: 2h20m16s
